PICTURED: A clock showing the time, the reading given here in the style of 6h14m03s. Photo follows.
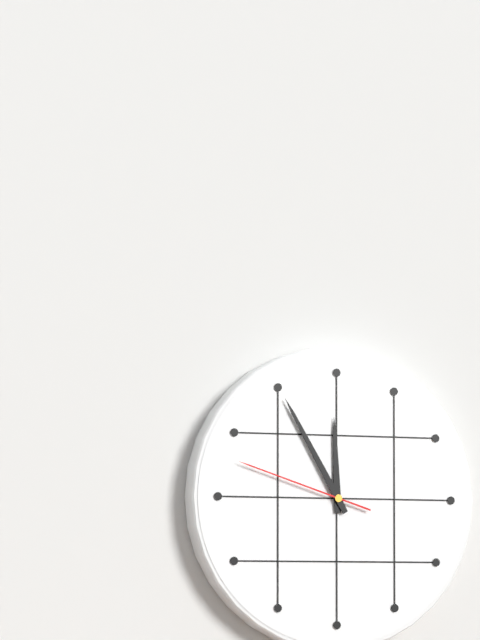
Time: 11h55m48s
